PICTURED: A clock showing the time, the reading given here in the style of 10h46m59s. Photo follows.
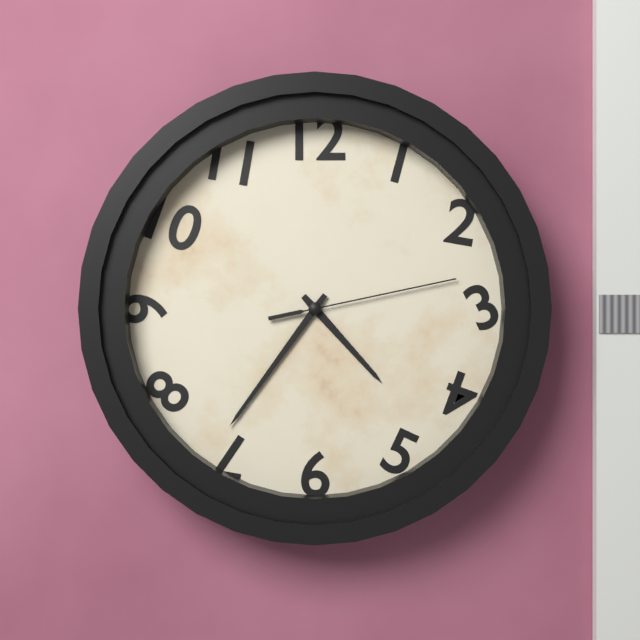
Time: 4h36m13s
